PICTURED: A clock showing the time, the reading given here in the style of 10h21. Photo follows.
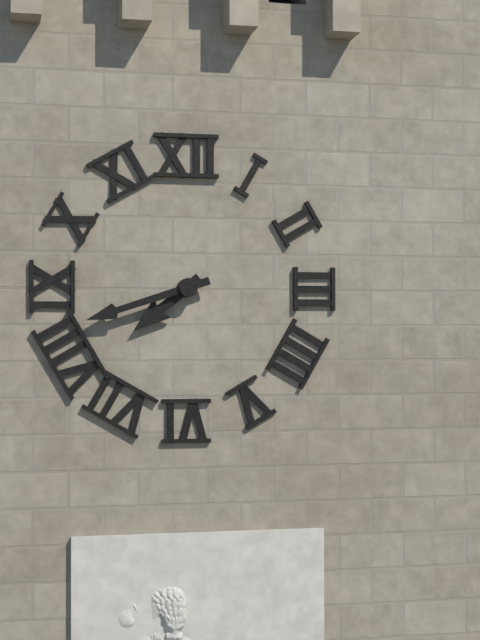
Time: 7h42
